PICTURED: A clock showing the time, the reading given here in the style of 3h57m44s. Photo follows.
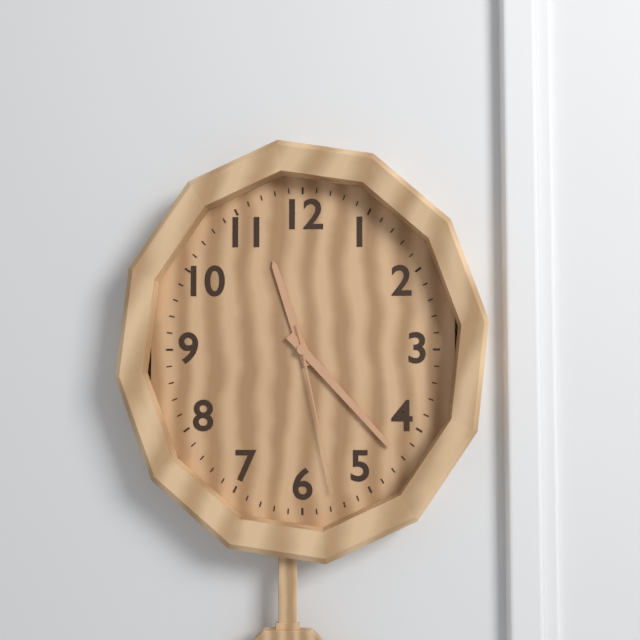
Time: 11h23m28s
